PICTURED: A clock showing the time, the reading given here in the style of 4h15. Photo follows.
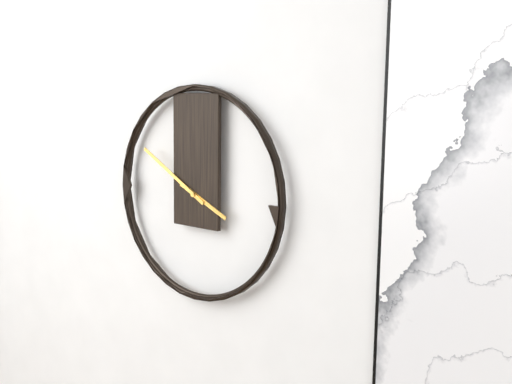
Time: 3h50
